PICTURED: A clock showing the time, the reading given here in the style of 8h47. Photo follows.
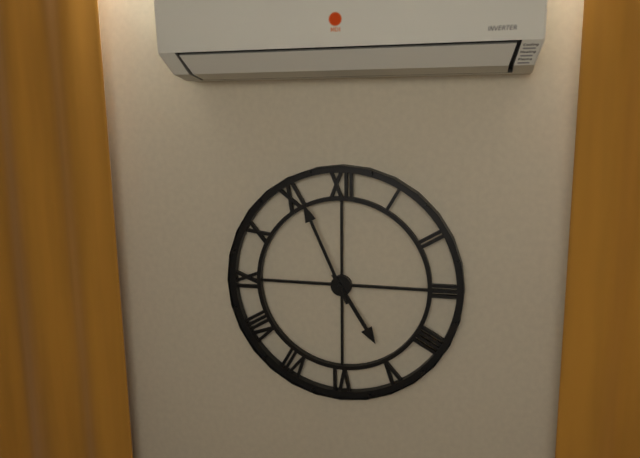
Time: 4h56
